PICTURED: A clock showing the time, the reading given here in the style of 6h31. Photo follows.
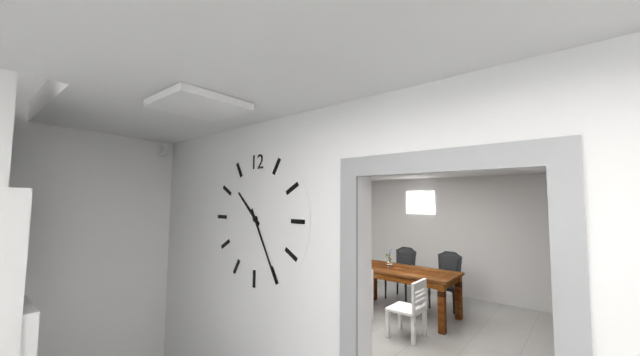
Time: 10h25
